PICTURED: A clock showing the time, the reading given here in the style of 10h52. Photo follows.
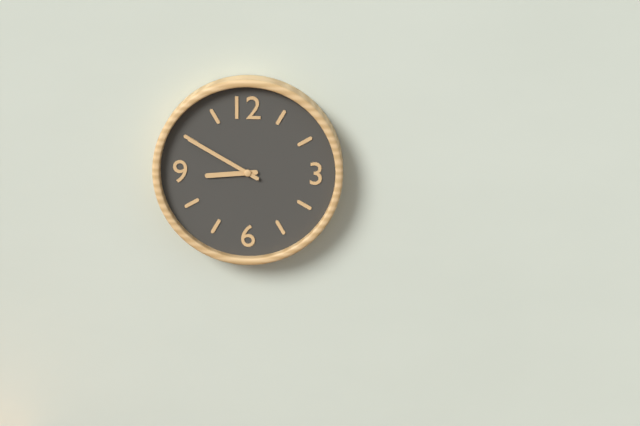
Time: 8h50
